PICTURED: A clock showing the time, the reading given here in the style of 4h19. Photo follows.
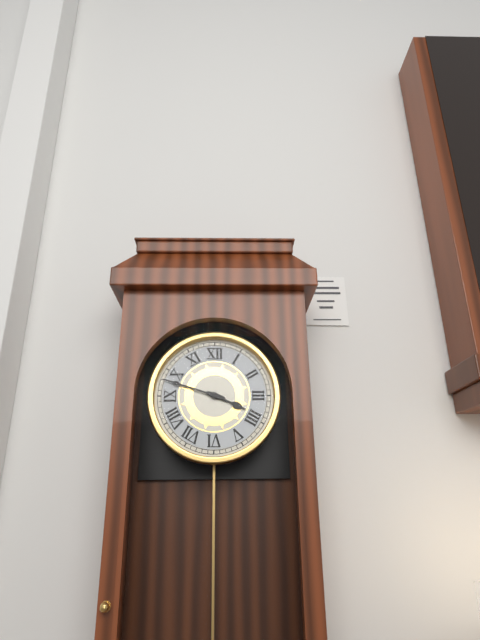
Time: 3h48
